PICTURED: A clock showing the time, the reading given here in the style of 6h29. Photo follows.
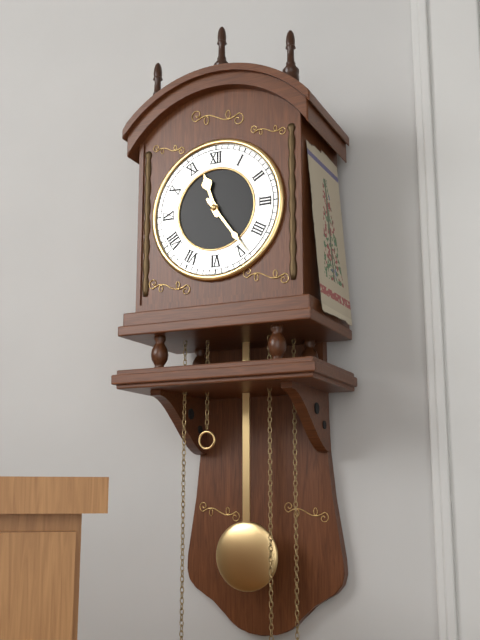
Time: 11h24
